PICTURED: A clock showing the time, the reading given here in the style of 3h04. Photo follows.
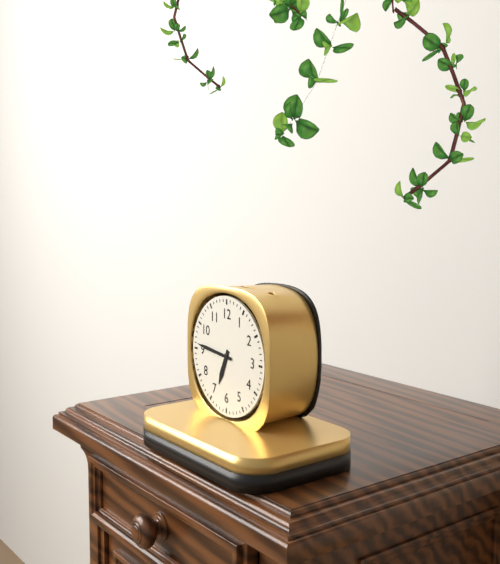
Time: 6h46
